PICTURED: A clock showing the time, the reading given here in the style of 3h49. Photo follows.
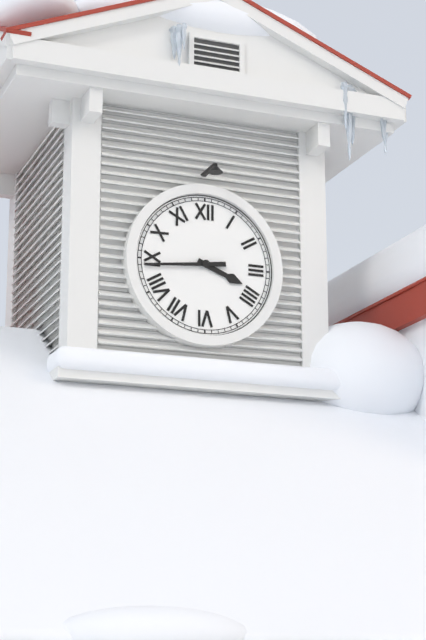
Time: 3h44
